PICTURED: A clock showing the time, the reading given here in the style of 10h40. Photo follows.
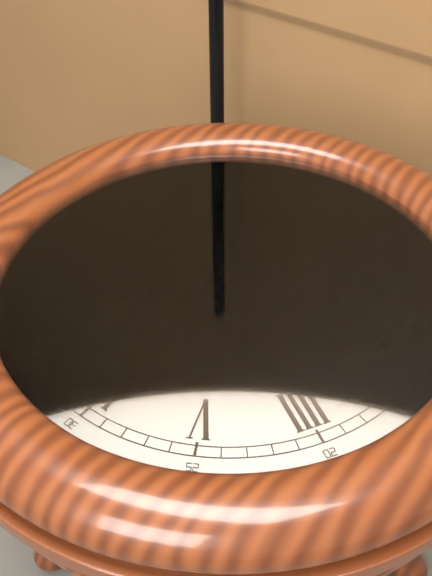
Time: 1h53
